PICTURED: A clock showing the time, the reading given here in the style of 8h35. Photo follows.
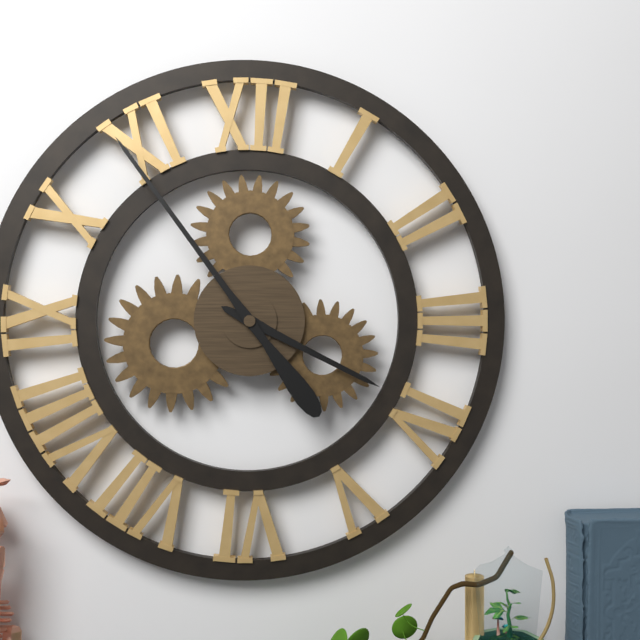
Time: 3h54
